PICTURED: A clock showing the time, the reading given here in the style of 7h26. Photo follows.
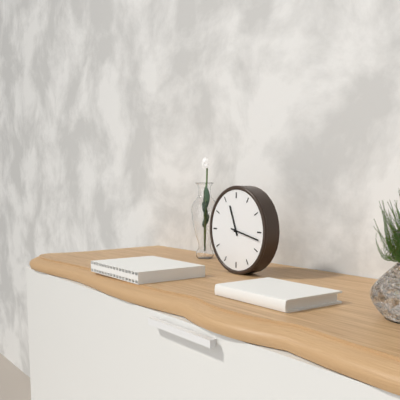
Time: 11h17
